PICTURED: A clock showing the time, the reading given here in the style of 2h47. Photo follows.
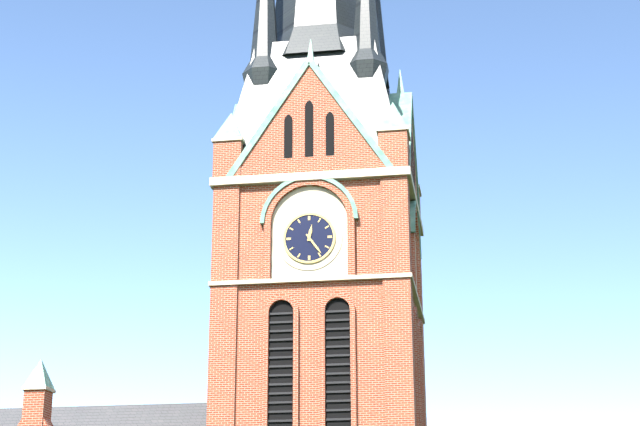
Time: 12h24
